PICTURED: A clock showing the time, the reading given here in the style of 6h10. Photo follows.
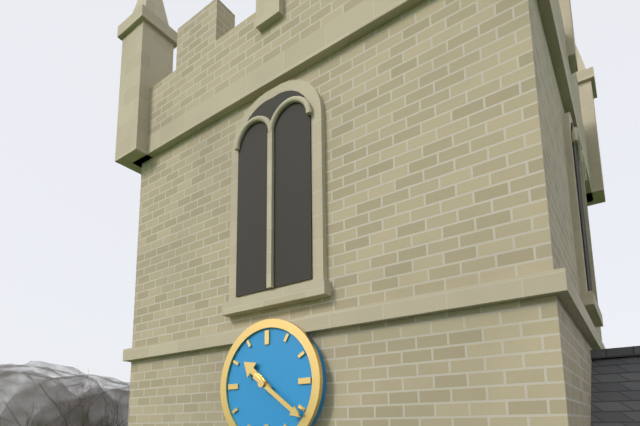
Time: 10h21
